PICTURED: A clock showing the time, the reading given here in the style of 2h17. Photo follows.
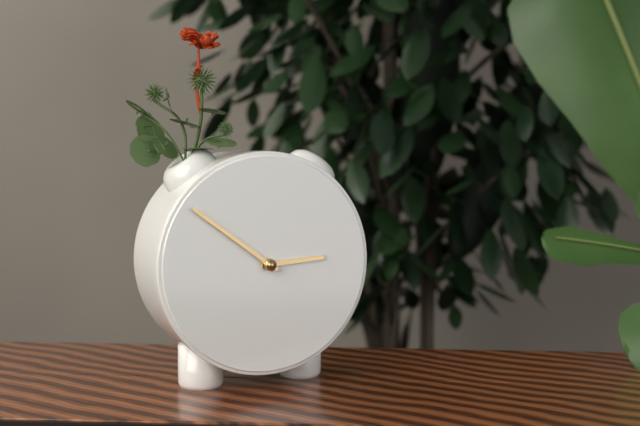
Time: 2h51
